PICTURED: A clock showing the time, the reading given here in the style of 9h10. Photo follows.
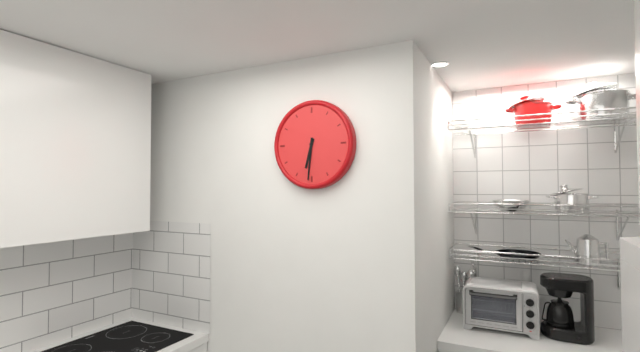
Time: 6h31
